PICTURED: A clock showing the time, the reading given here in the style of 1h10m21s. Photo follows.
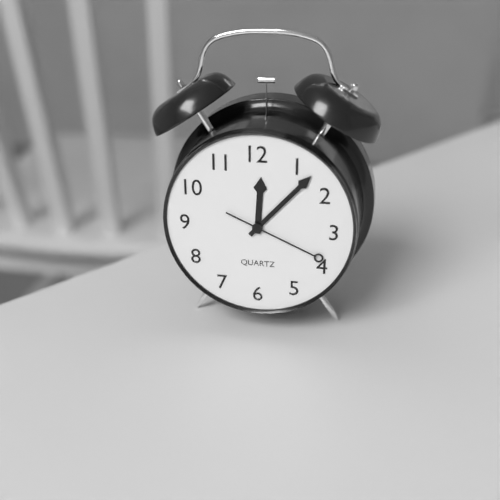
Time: 12h07m19s
